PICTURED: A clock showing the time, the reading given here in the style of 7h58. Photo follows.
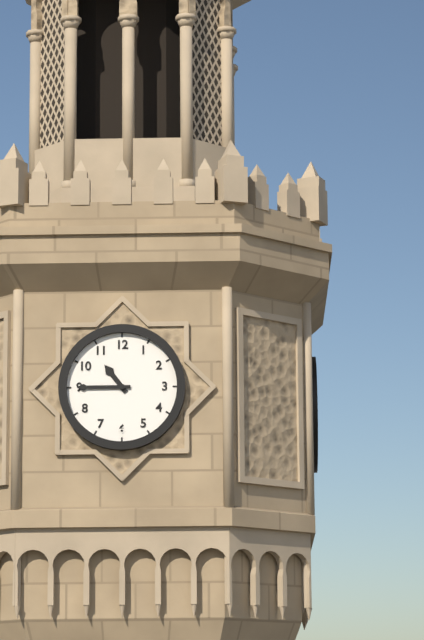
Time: 10h45
